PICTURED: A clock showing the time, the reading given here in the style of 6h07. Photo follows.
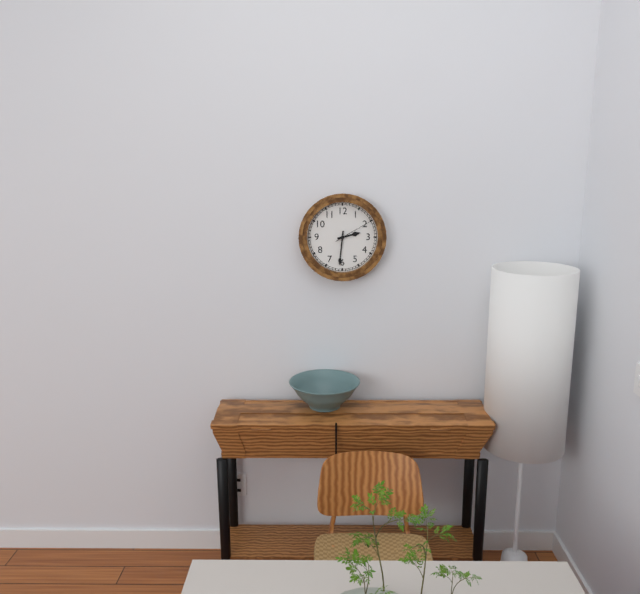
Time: 2h31
